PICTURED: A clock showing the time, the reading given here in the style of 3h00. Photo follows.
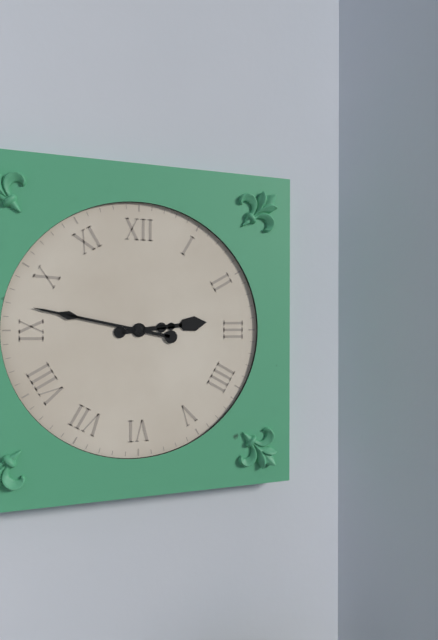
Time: 2h47
